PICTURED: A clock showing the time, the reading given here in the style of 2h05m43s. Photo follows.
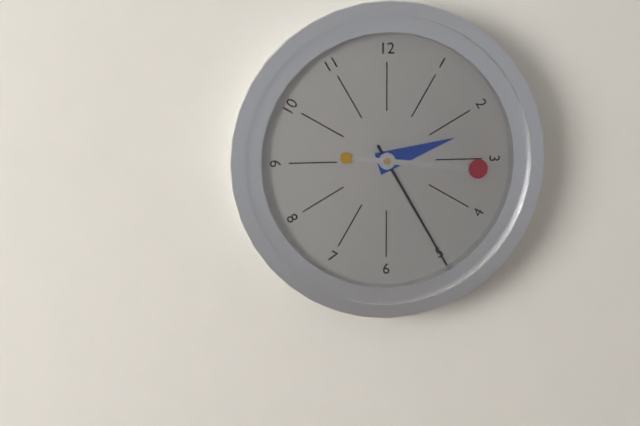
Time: 2h25m16s
